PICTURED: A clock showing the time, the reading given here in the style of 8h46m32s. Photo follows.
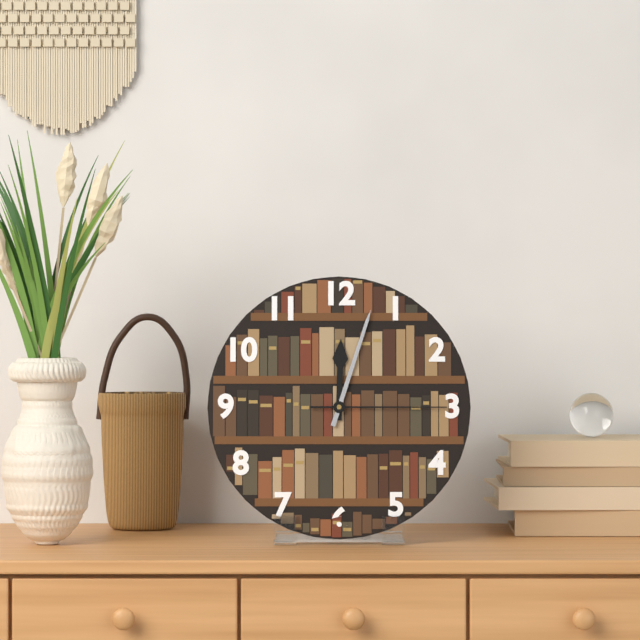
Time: 12h03m15s
